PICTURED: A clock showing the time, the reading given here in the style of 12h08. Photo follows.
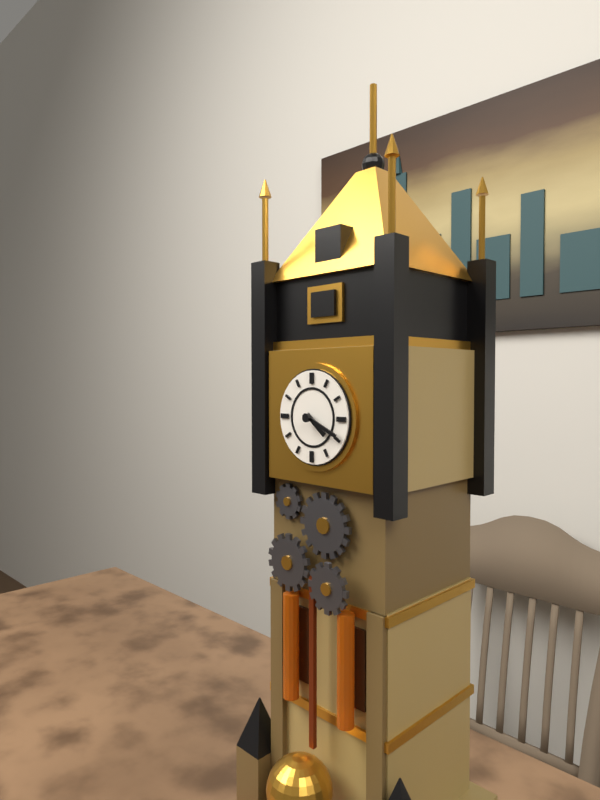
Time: 4h19
